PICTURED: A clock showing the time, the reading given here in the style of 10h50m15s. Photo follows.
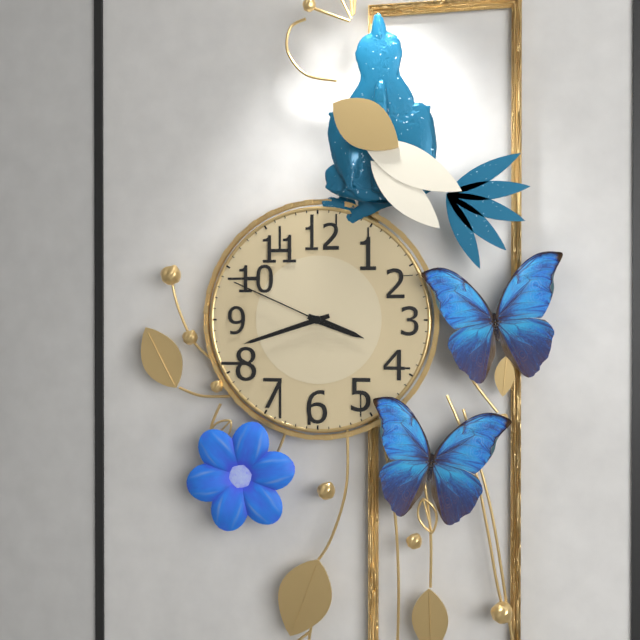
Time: 3h42m49s
